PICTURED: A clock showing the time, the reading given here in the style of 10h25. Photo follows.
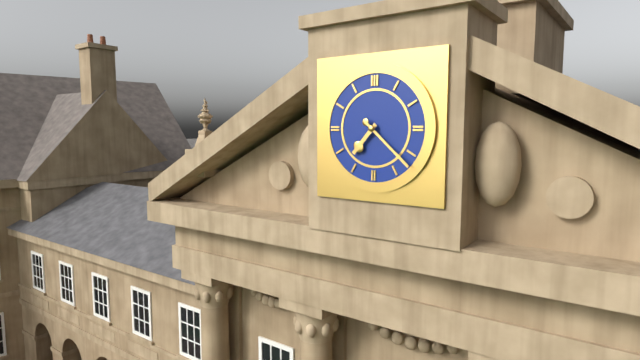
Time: 7h22
